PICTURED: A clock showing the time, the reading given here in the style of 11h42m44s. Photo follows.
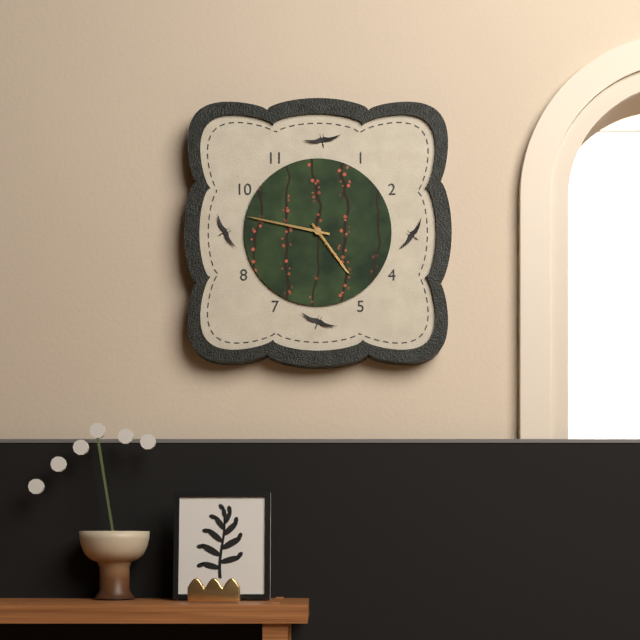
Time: 4h47m24s
